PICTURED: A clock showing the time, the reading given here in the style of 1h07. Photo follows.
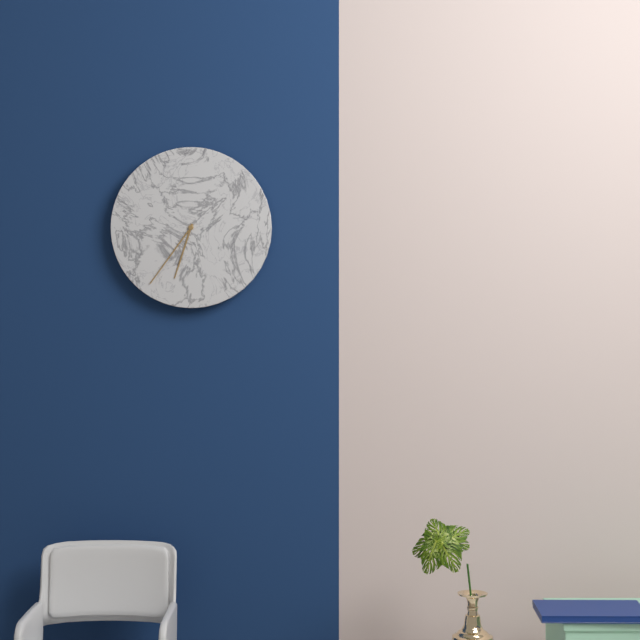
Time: 6h36
